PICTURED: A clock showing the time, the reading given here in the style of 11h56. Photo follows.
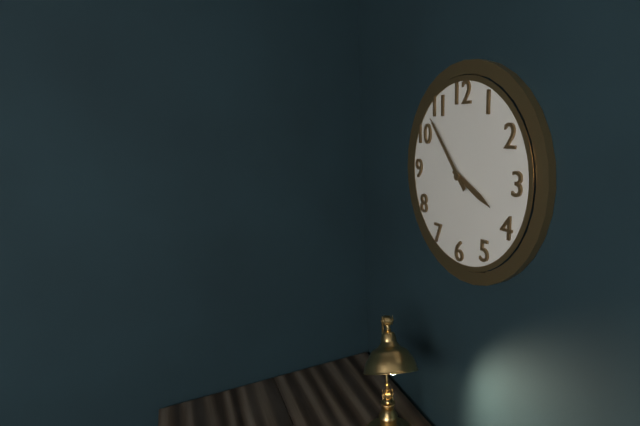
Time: 3h53
